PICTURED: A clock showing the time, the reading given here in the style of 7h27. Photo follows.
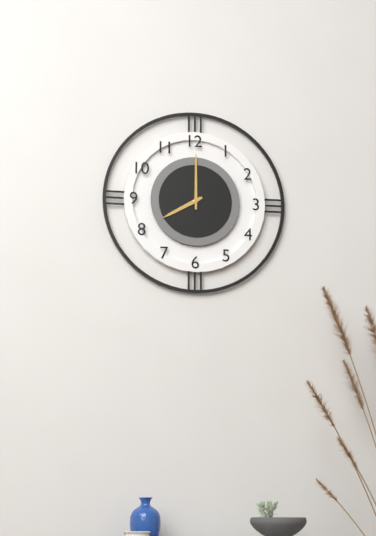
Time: 8h00
